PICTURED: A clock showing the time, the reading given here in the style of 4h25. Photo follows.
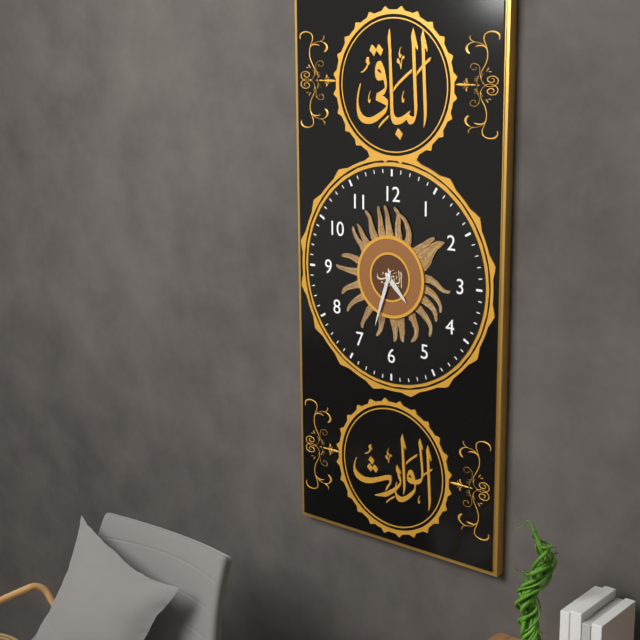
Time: 4h33
